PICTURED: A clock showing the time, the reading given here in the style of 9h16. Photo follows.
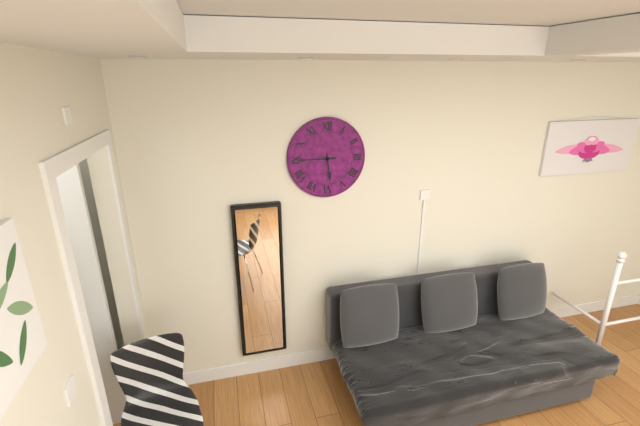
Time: 5h45
